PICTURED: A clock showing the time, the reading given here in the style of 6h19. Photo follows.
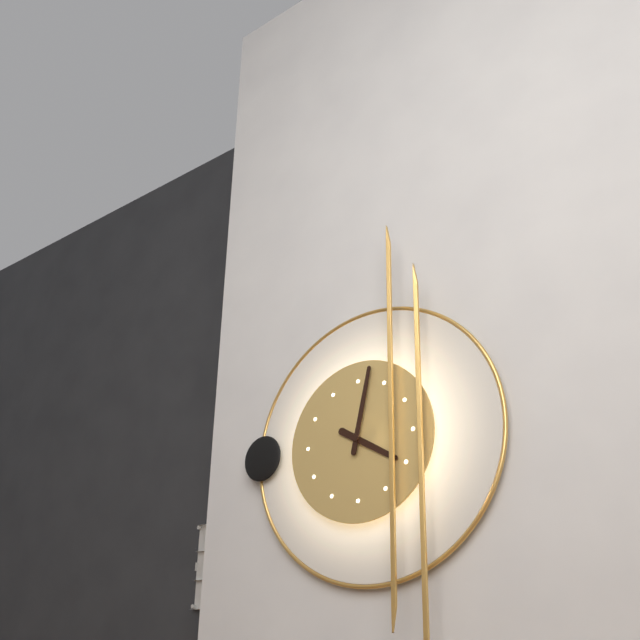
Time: 4h02
